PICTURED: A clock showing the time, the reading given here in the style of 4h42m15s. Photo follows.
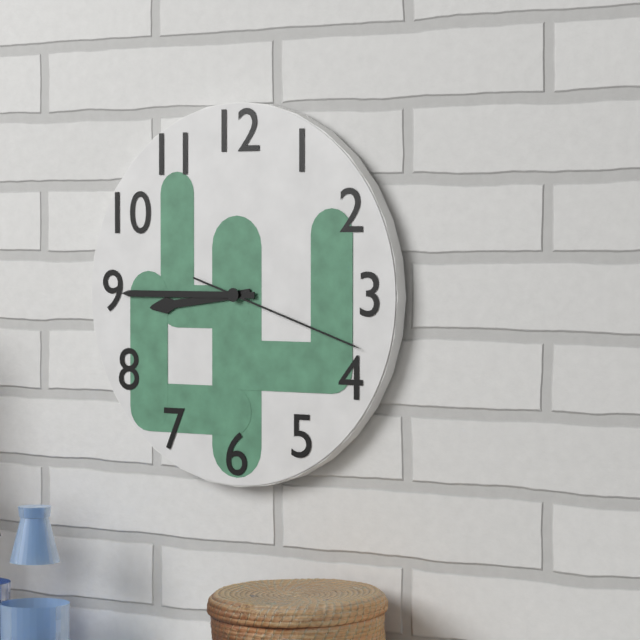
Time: 8h45m18s
